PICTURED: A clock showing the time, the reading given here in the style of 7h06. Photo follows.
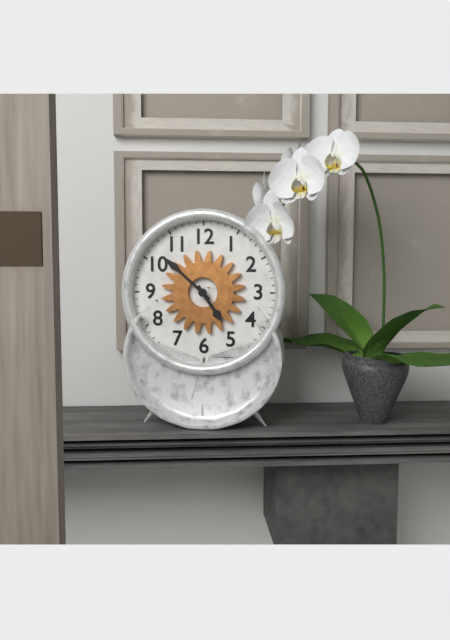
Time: 4h52
